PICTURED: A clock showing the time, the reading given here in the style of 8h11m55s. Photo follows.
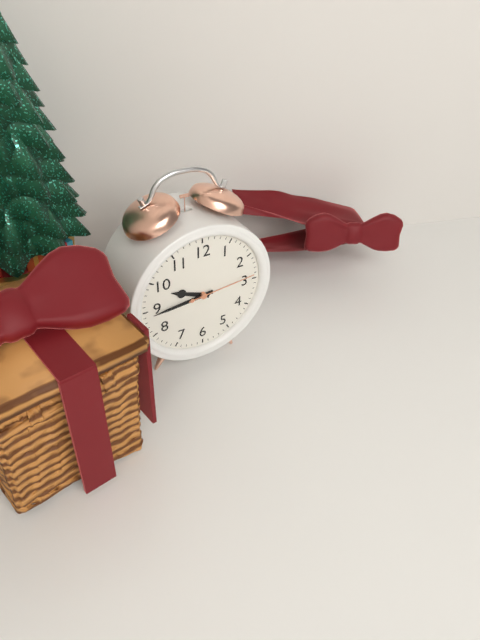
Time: 9h44m14s
